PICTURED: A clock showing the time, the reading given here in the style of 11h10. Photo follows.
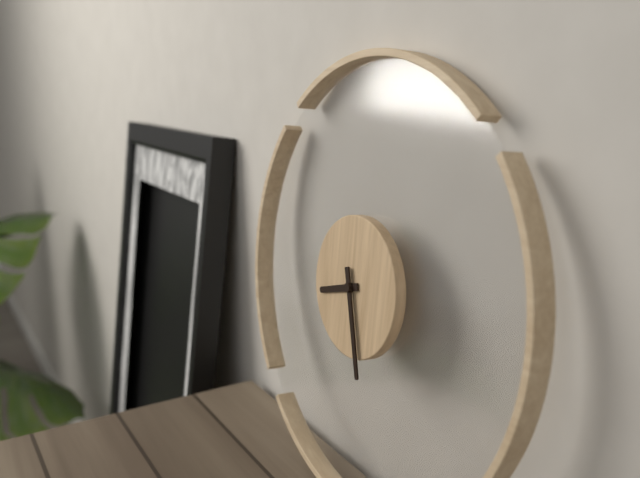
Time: 8h27
